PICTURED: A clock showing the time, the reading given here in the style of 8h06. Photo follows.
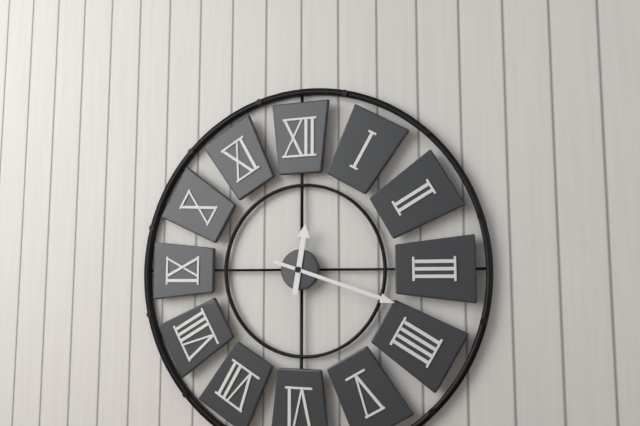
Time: 12h18
